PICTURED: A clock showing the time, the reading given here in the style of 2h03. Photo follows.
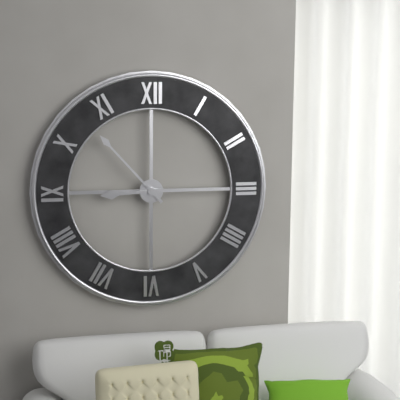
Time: 8h53
